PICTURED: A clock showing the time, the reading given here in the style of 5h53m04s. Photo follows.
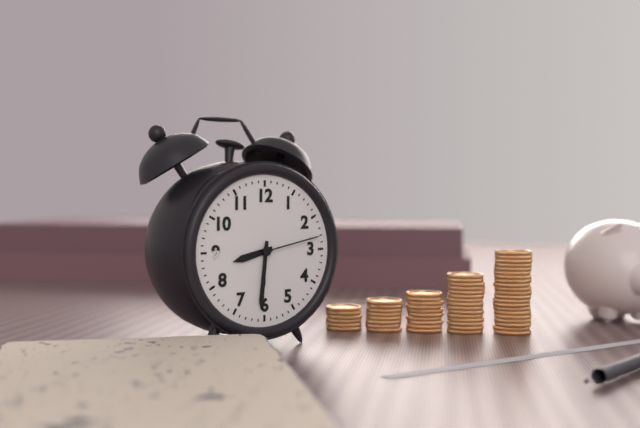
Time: 8h31m13s
